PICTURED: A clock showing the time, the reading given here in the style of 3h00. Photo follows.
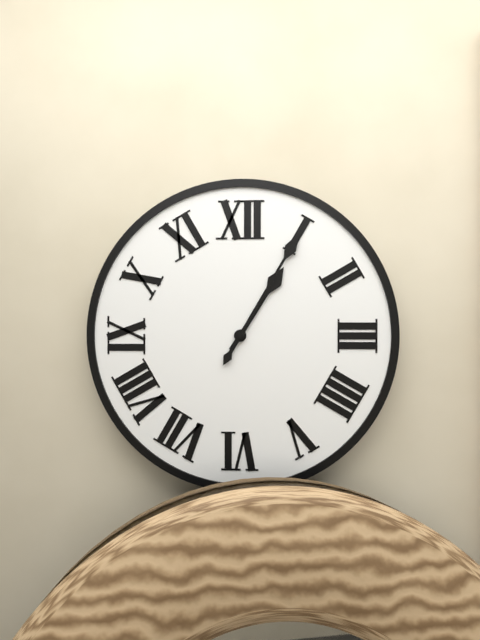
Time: 1h05
